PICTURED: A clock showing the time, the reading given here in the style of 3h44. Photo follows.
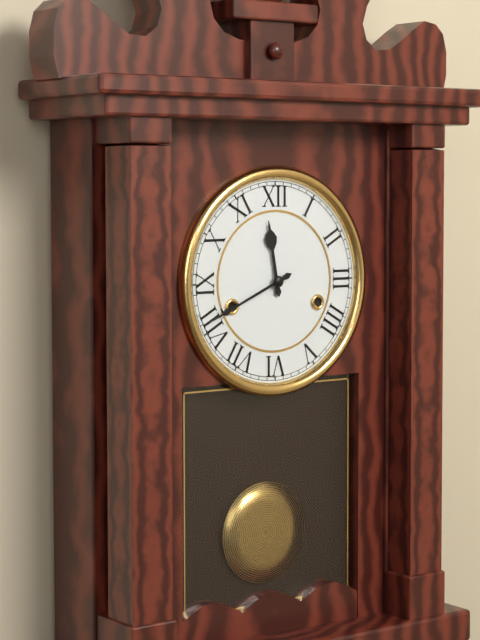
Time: 11h41
